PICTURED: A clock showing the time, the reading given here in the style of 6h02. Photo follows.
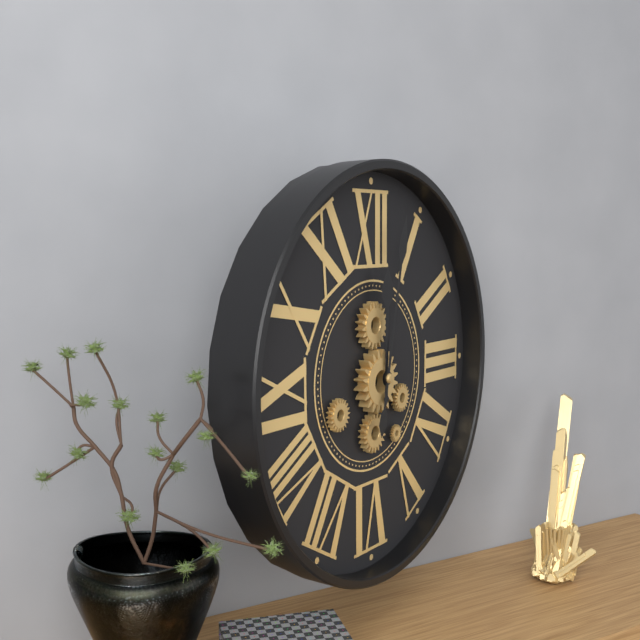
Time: 12h02
